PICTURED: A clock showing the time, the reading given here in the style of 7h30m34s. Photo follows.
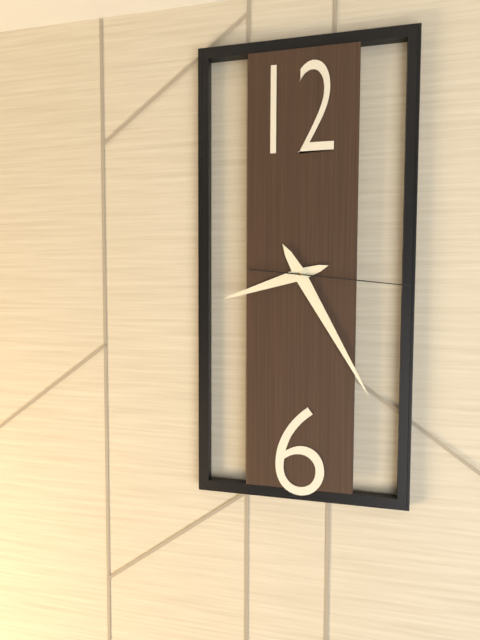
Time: 8h25m16s
